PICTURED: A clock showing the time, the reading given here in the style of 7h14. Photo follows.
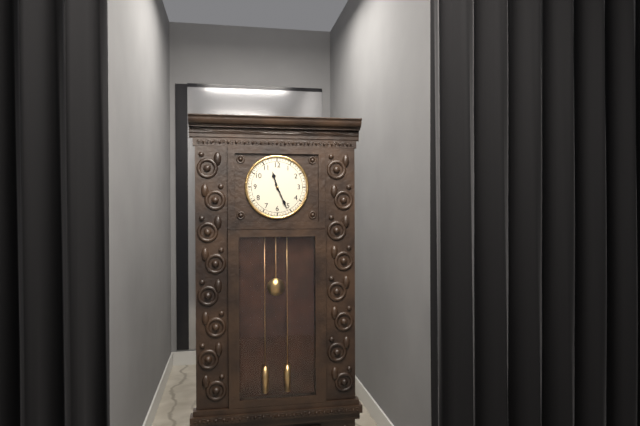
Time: 11h26
